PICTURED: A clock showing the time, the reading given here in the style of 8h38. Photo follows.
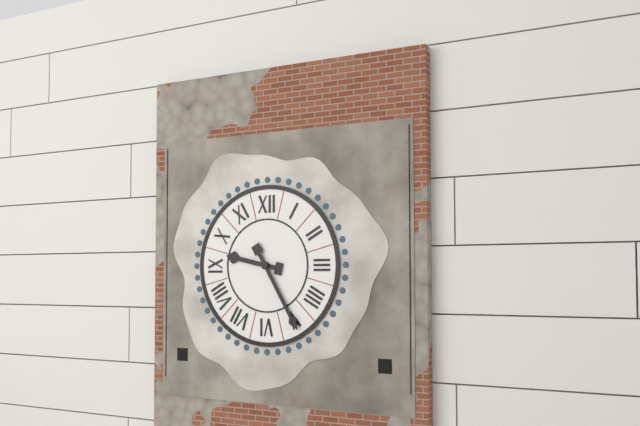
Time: 9h25
